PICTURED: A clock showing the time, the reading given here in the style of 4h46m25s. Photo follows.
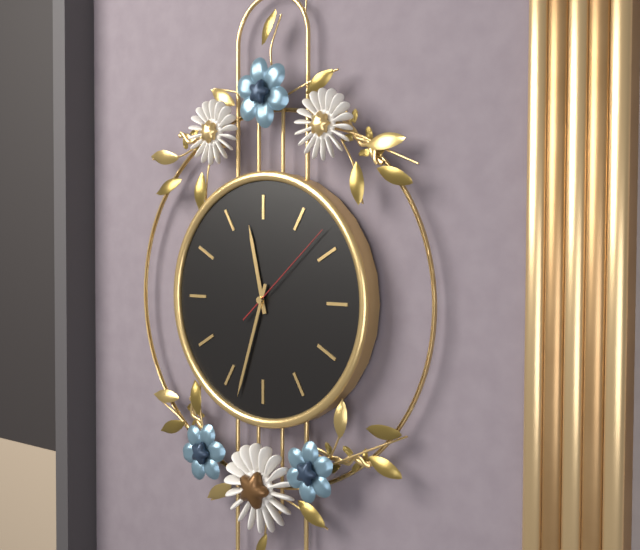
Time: 11h33m08s
